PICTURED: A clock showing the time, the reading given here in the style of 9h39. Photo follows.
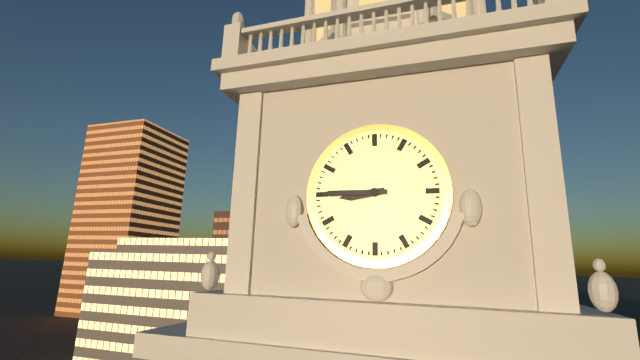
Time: 8h45
